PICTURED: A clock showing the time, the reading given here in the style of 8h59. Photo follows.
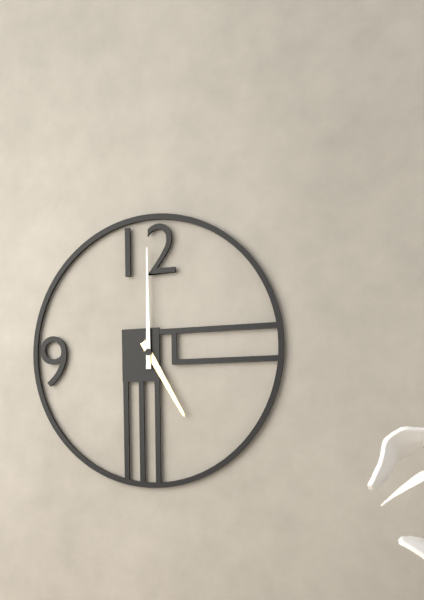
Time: 5h00
